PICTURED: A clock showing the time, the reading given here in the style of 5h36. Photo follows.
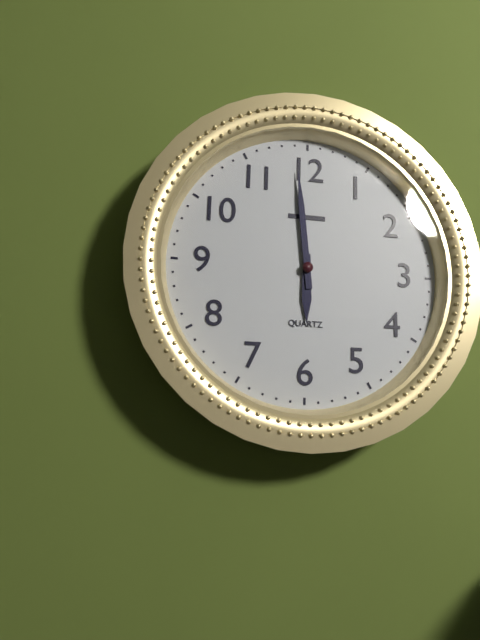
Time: 5h59
